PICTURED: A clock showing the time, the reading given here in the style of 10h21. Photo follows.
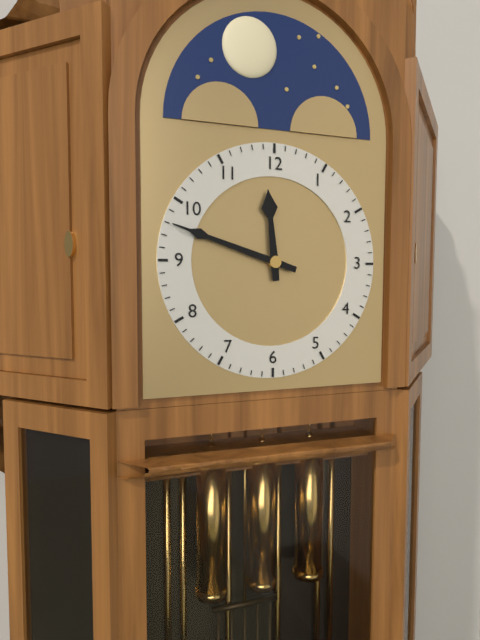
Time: 11h48
